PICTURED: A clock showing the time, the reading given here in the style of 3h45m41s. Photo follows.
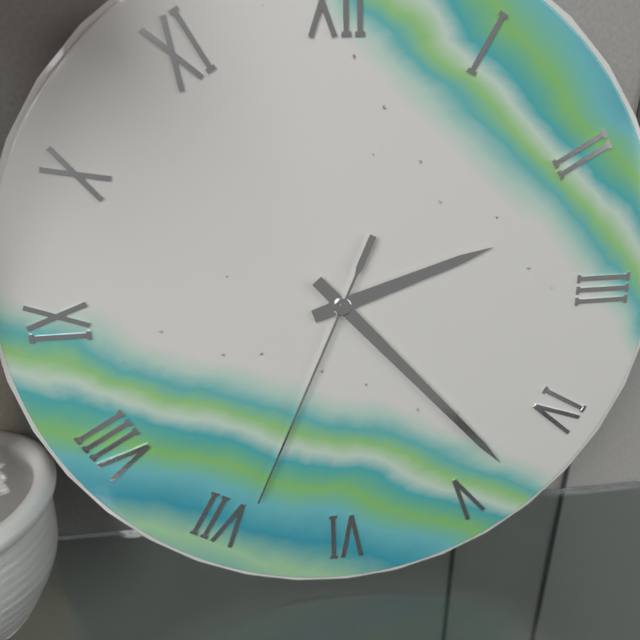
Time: 2h23m34s
